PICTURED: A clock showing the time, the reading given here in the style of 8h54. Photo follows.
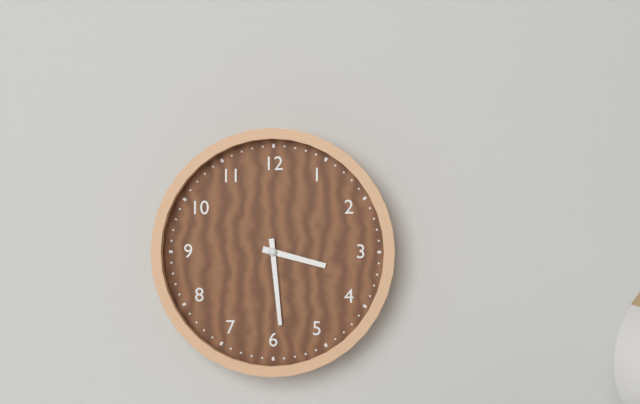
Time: 3h29
